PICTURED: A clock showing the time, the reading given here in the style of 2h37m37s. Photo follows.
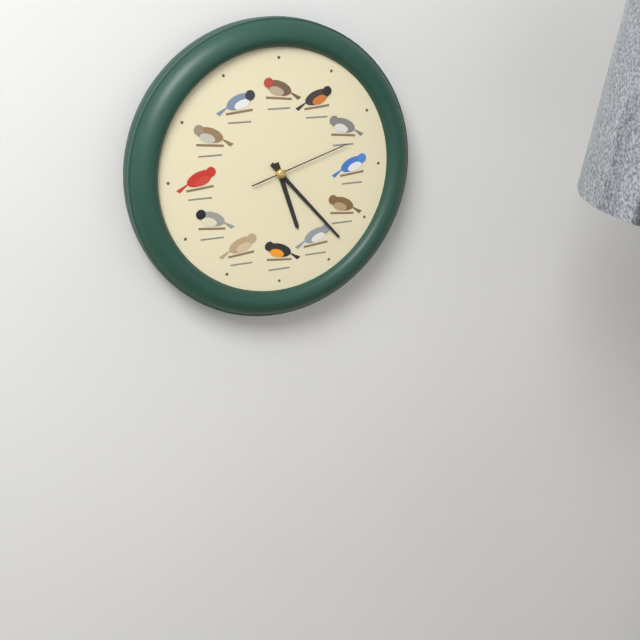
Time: 5h23m12s
